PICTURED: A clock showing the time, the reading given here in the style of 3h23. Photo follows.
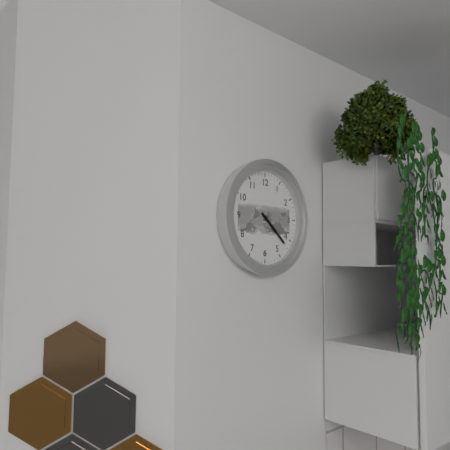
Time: 4h22
